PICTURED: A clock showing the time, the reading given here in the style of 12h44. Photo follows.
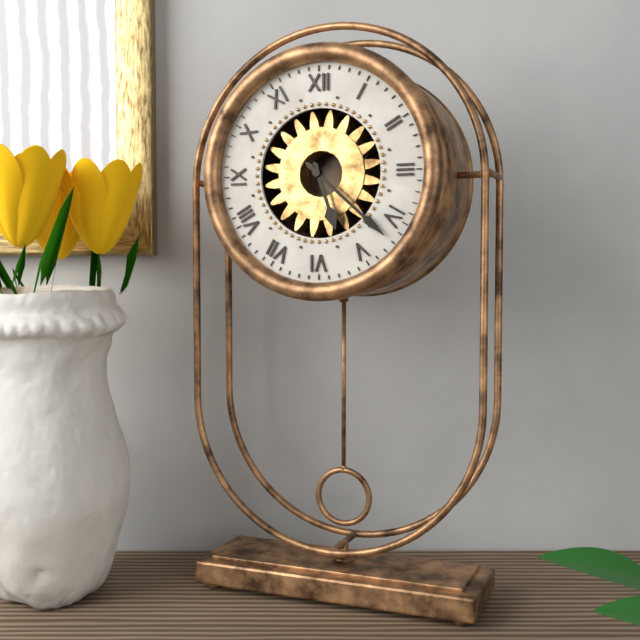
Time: 5h22
